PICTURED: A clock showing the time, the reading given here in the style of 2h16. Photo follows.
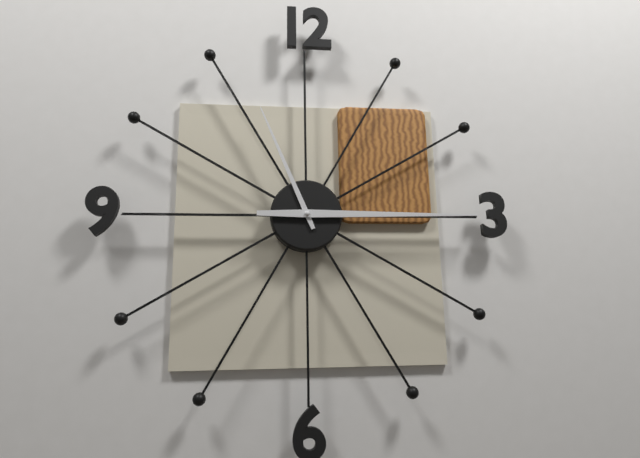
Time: 11h15
